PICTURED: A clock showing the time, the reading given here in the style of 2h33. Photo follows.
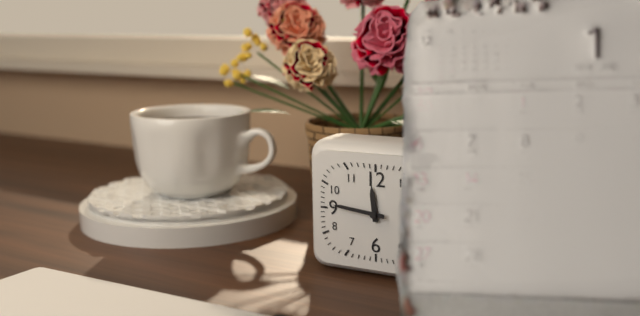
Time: 11h46
